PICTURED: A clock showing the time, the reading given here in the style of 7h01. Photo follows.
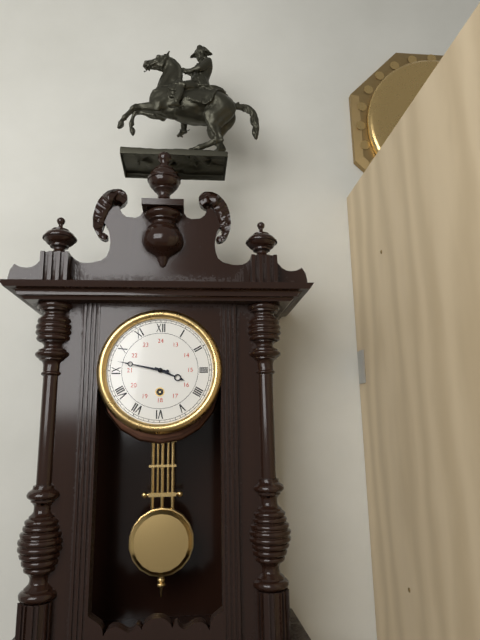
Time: 3h47
